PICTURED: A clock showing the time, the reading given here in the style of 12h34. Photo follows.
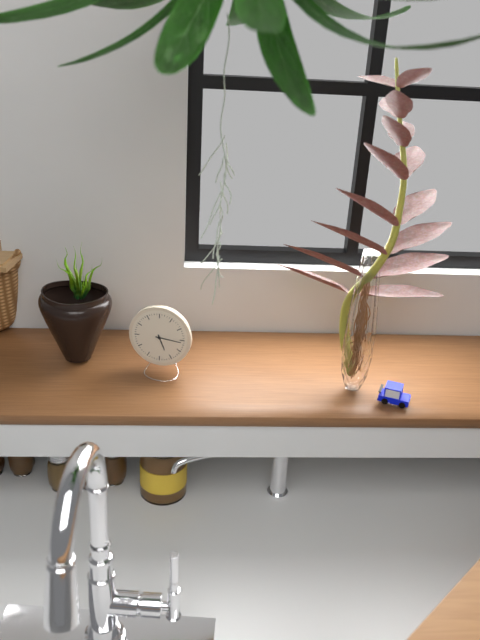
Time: 5h16
